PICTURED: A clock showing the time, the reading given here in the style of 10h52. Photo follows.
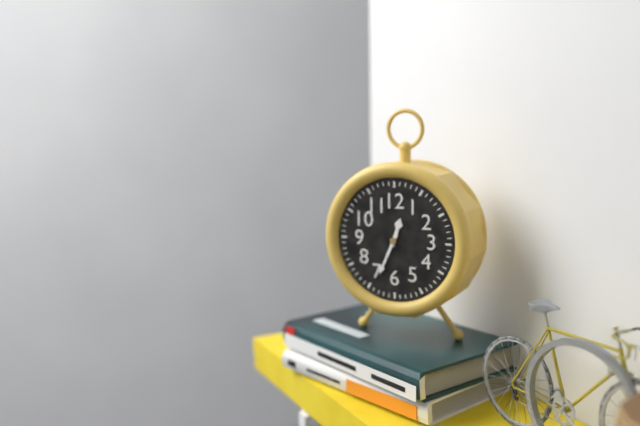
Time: 12h34
